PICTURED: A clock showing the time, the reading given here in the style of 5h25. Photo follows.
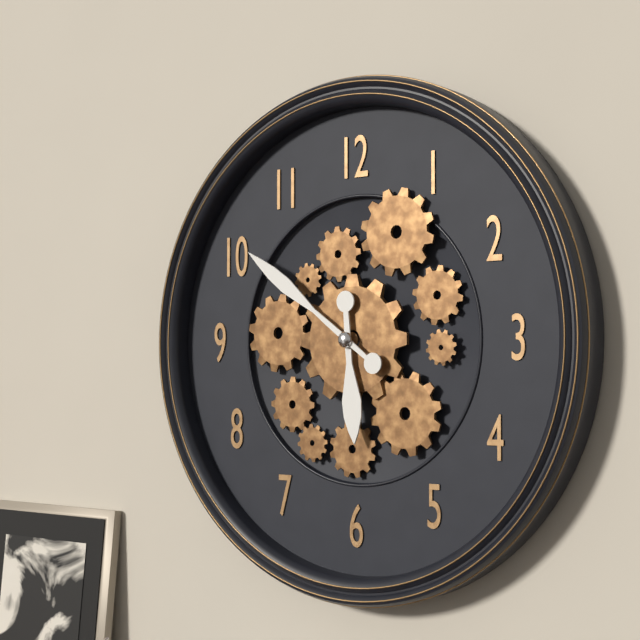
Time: 5h51
